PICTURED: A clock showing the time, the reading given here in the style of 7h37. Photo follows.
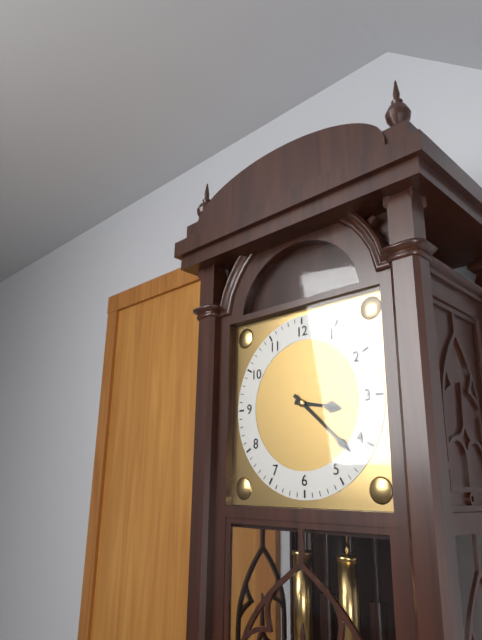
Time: 3h22
